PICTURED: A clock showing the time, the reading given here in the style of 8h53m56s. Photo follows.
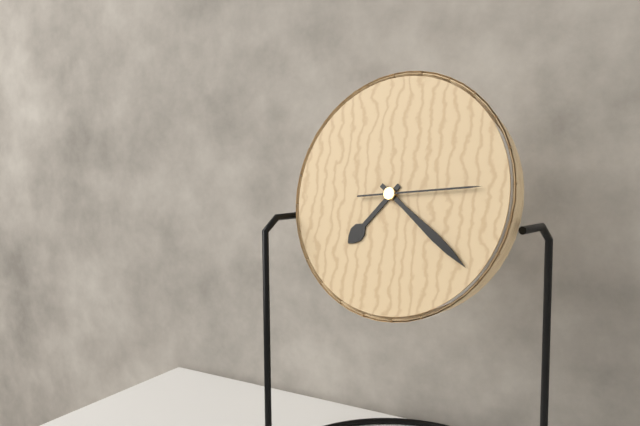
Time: 7h21m14s
